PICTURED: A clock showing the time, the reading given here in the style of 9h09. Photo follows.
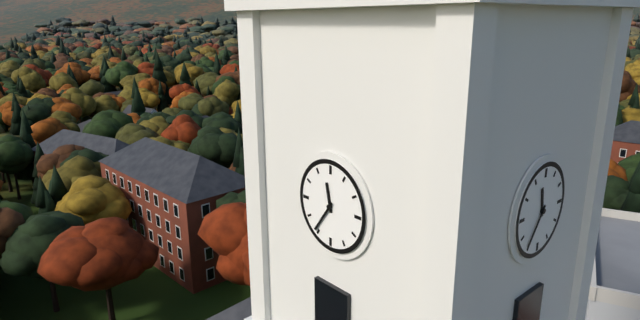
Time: 11h36
